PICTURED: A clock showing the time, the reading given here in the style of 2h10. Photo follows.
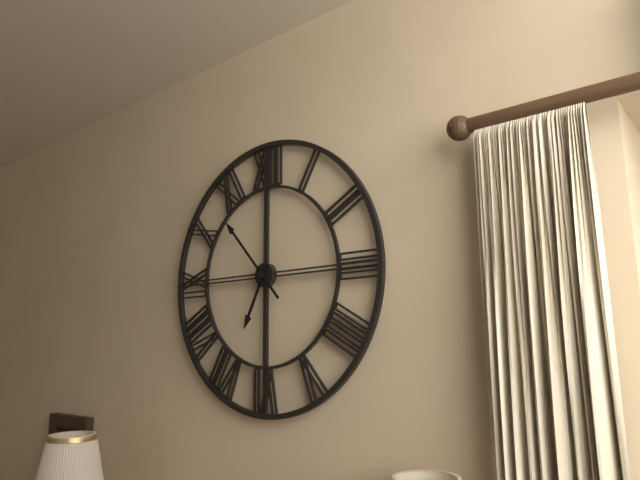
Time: 6h53
